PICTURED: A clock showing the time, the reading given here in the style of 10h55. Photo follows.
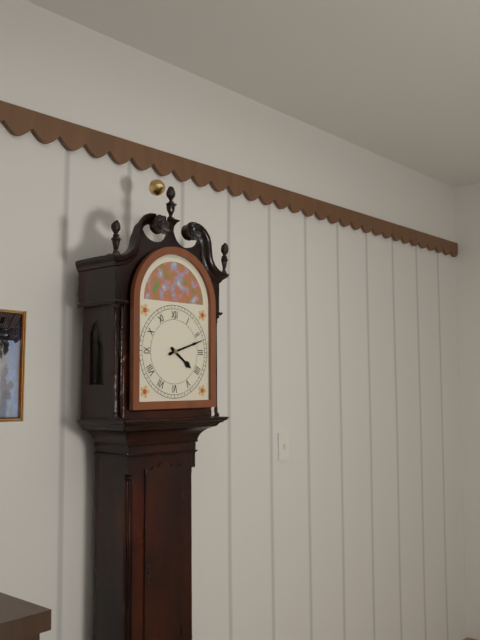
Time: 4h12
